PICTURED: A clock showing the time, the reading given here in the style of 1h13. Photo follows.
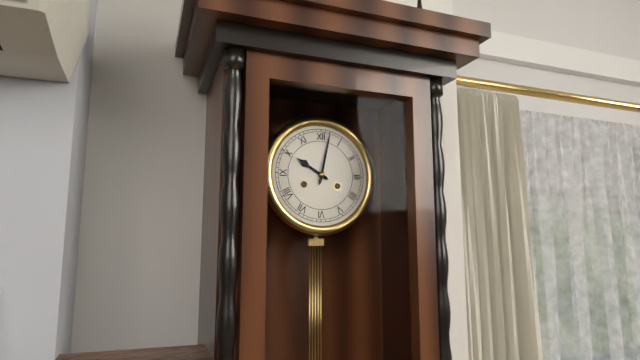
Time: 10h02
